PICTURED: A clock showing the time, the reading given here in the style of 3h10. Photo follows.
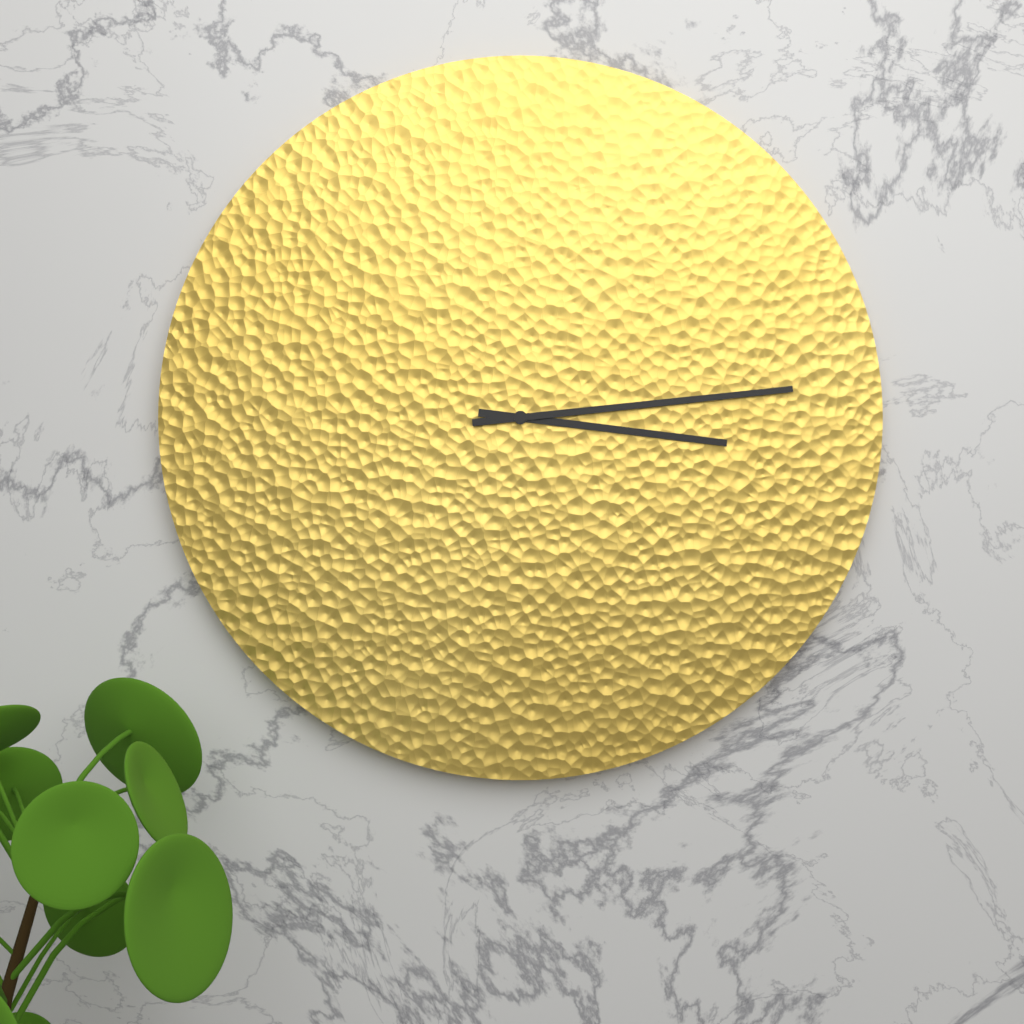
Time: 3h14
